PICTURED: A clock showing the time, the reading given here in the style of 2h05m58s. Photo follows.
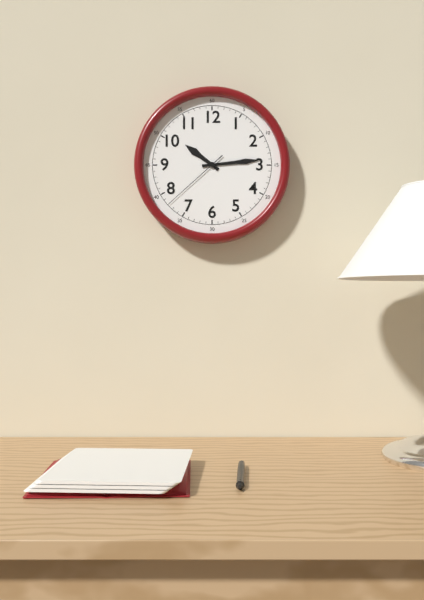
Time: 10h14m38s
